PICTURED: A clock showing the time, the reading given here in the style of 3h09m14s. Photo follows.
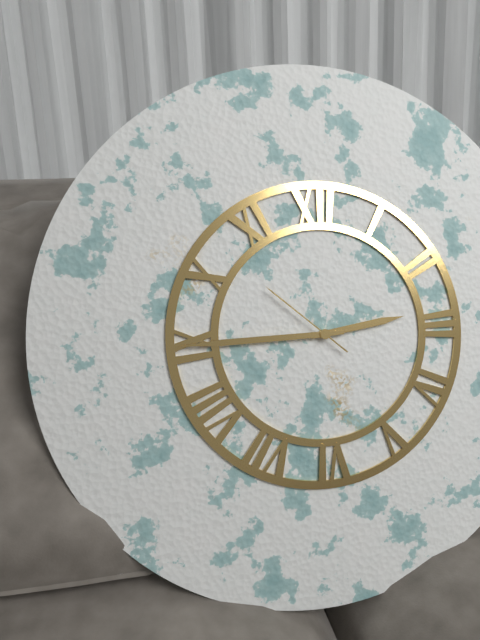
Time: 2h45m52s
